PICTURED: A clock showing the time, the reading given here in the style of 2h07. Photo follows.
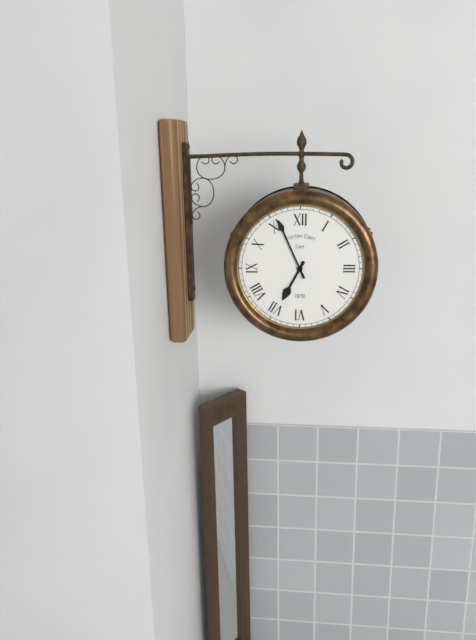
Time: 6h56
